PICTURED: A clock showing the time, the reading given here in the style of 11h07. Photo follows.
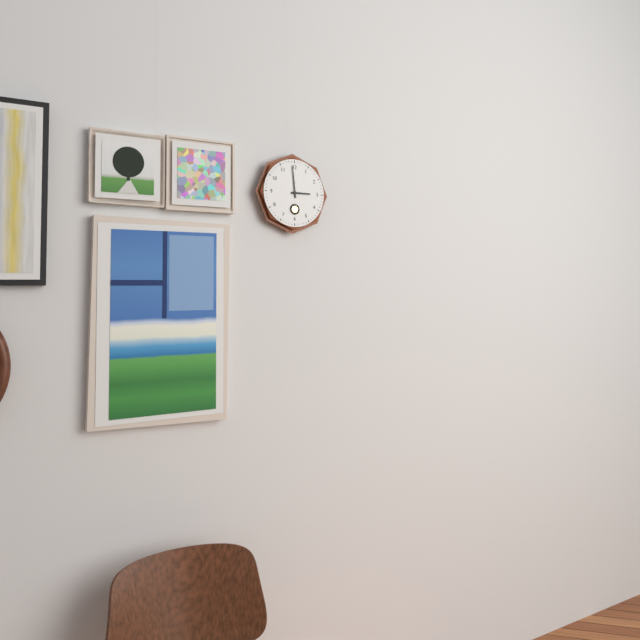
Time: 2h59
